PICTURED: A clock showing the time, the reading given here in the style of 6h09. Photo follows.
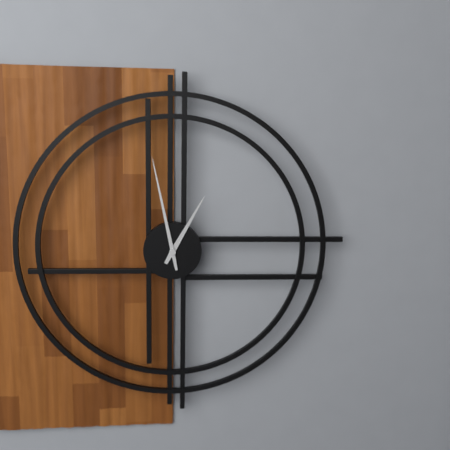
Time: 12h58
